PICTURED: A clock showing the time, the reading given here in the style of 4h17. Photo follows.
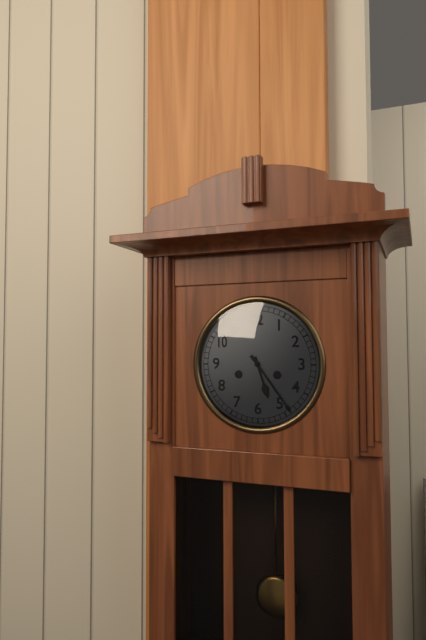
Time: 5h24
